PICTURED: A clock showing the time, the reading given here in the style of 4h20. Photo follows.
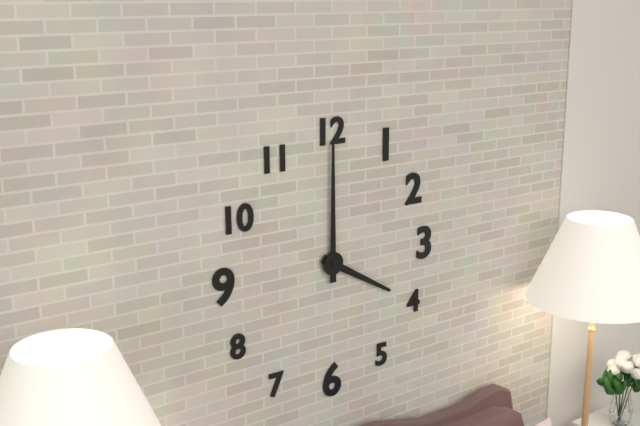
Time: 4h00
